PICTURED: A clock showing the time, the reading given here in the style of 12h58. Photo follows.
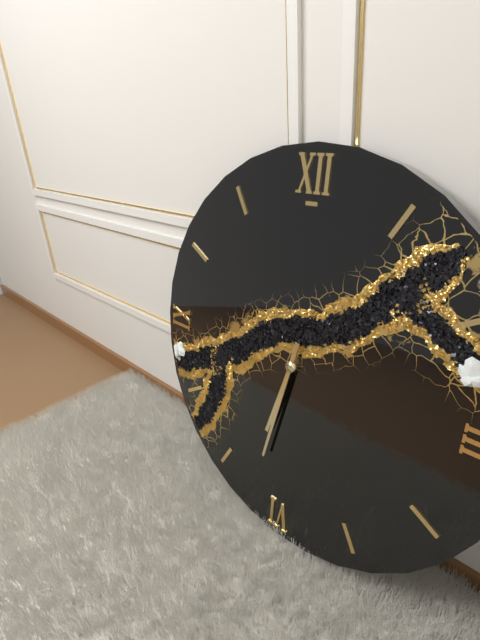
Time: 6h32
